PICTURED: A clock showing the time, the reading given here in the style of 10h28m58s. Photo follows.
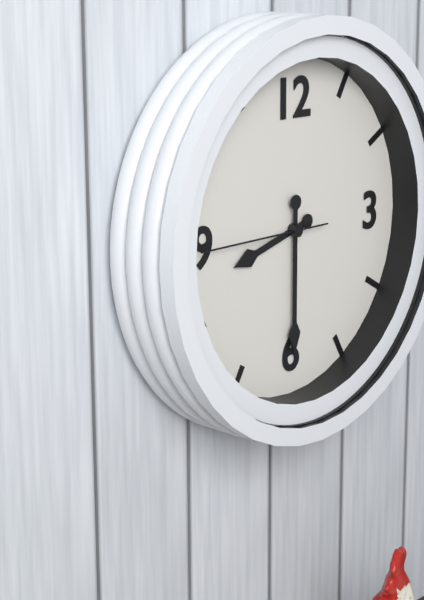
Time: 8h30m45s
